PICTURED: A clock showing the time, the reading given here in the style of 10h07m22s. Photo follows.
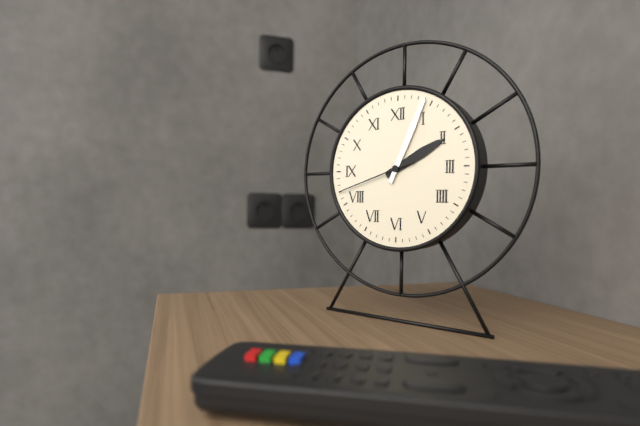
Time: 2h04m42s
